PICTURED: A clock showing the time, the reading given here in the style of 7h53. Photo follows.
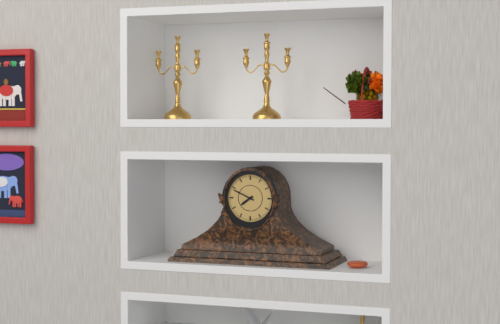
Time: 7h49
